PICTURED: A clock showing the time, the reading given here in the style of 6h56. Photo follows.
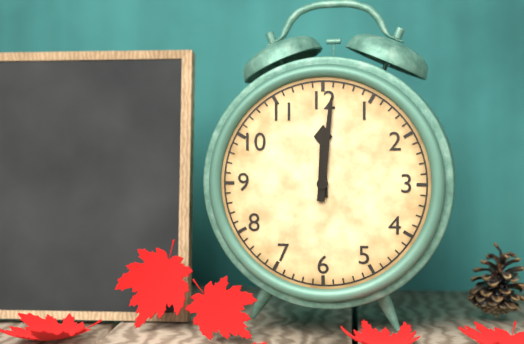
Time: 12h01
